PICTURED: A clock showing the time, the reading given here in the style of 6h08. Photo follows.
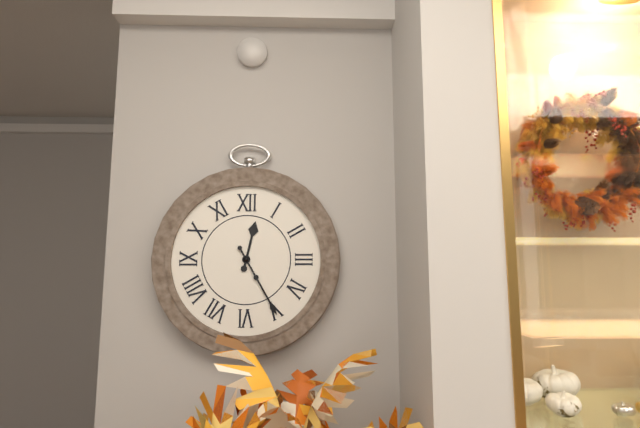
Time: 12h25
